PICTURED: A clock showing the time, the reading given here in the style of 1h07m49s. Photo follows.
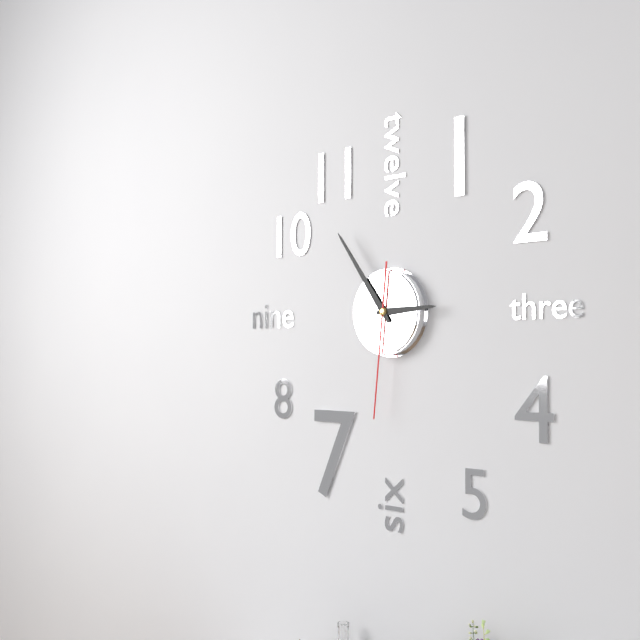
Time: 2h54m31s
